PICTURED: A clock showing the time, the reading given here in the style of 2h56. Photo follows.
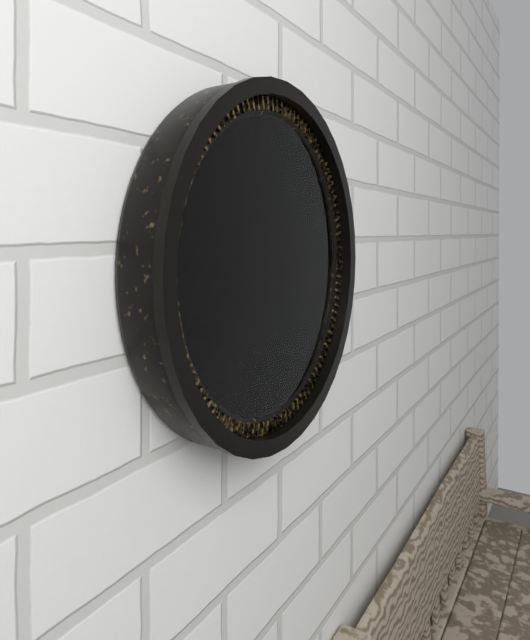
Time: 4h37
